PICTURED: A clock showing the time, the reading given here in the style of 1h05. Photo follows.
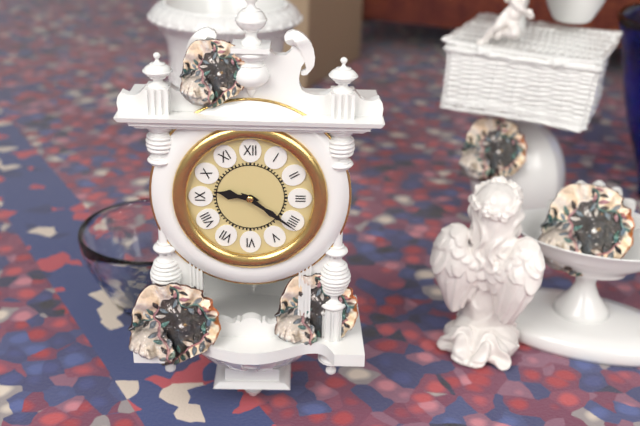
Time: 9h21
